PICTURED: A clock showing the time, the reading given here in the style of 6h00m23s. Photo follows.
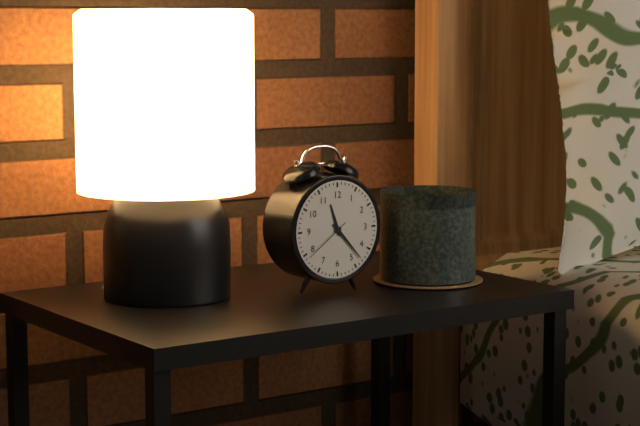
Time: 11h23m39s
